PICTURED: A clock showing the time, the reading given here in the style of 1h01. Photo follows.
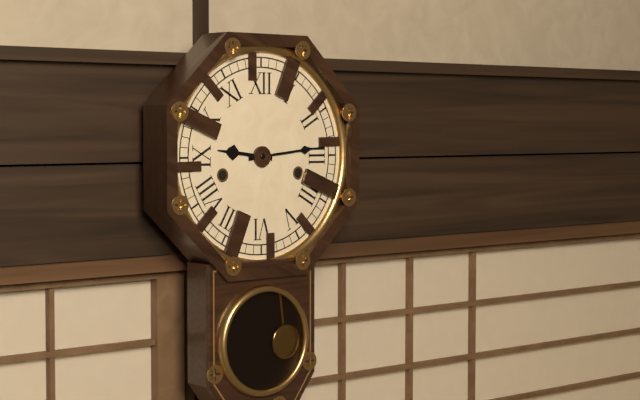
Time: 9h14
